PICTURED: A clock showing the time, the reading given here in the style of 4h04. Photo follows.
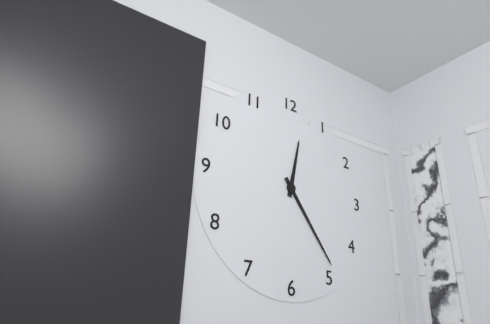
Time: 12h24
